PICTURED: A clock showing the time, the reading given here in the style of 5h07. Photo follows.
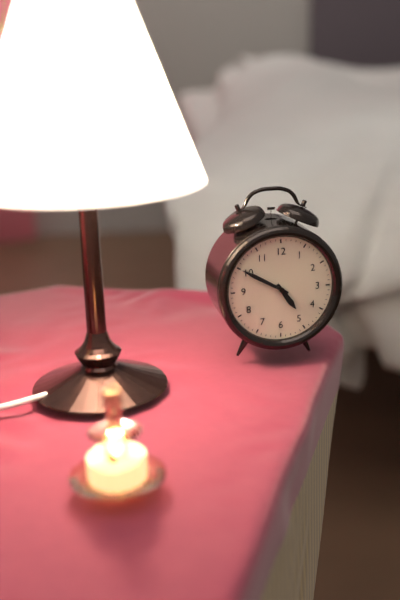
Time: 4h50
